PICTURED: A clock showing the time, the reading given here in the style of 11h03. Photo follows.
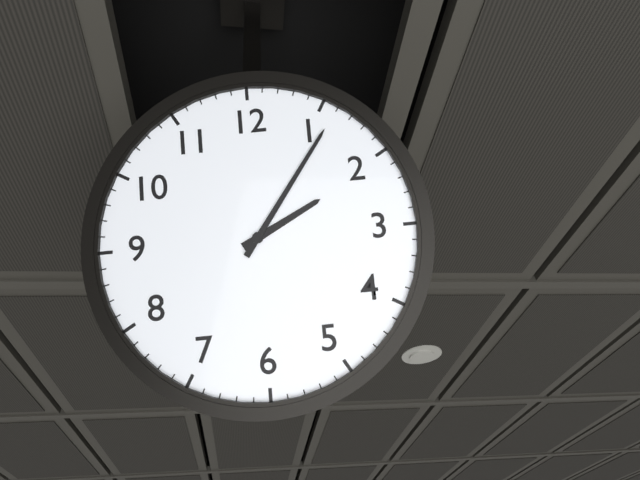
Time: 2h06
